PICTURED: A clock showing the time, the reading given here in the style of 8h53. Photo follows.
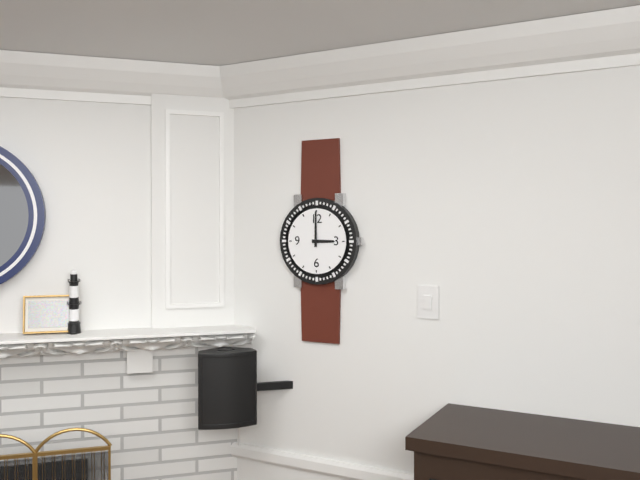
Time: 3h00
